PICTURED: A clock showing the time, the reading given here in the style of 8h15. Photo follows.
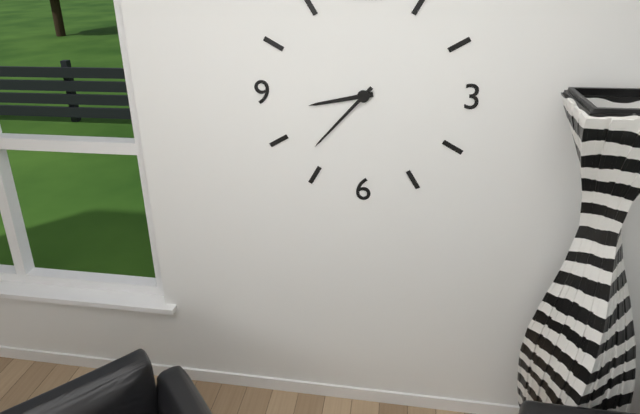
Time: 8h37
